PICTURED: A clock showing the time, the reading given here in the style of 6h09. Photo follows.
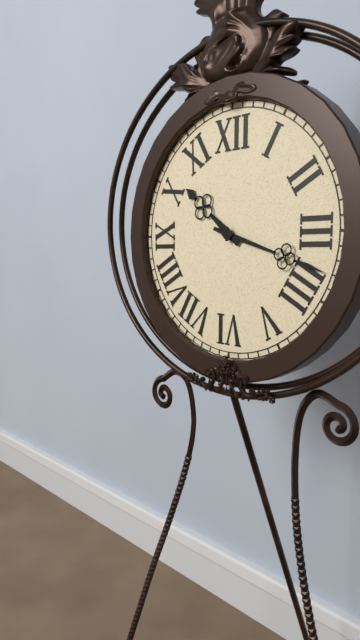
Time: 10h18
